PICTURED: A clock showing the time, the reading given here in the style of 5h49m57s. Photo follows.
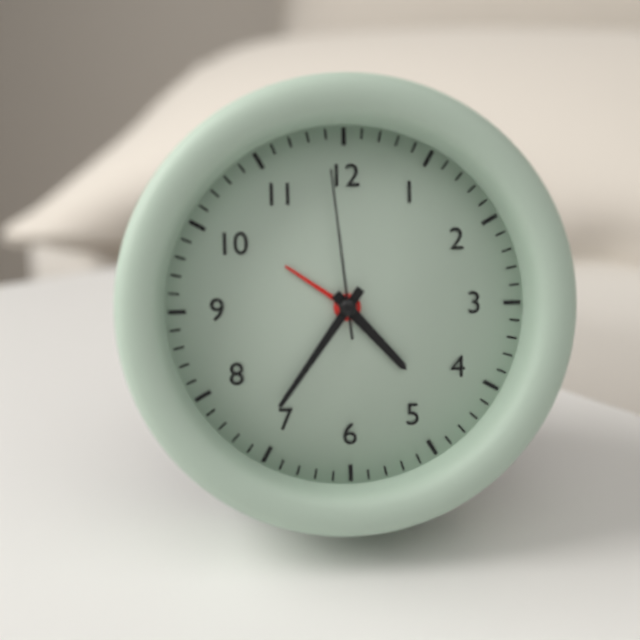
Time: 4h36m59s
